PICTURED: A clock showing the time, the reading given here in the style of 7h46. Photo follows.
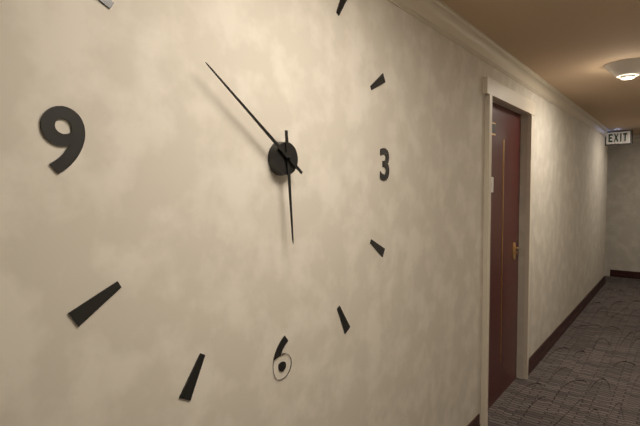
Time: 5h51
